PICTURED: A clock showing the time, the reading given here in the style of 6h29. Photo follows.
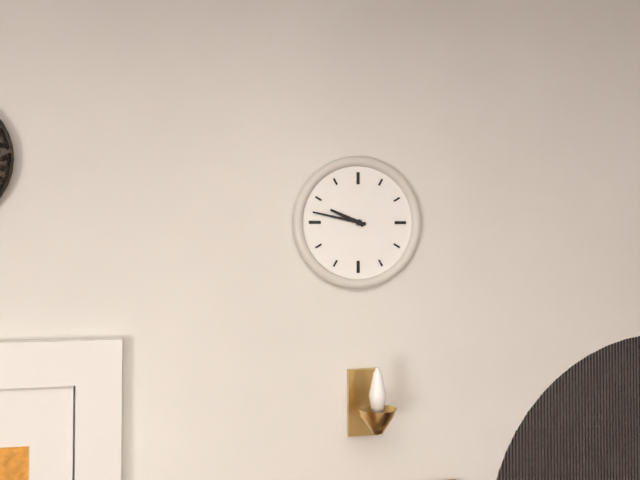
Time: 9h47
